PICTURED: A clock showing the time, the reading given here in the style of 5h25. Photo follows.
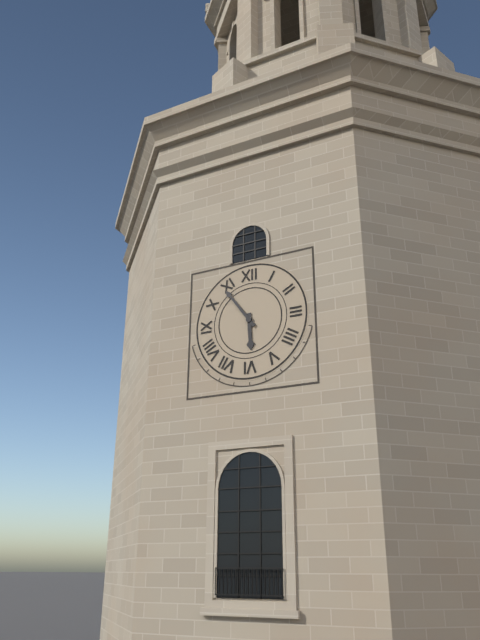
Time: 5h54
